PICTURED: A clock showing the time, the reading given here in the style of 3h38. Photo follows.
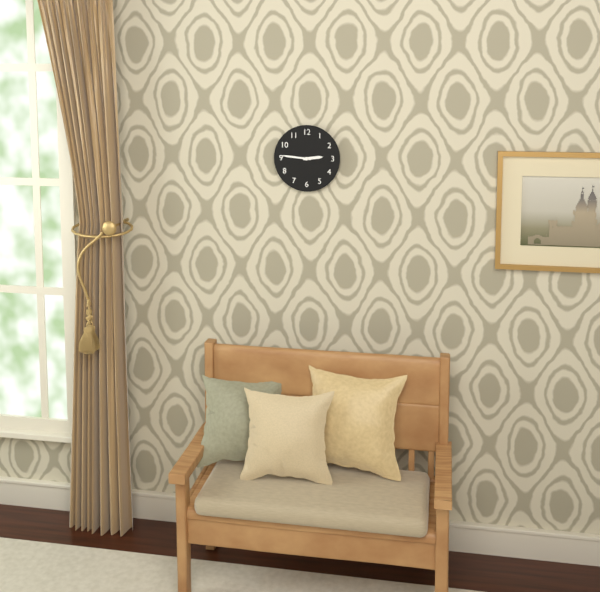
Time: 2h46
